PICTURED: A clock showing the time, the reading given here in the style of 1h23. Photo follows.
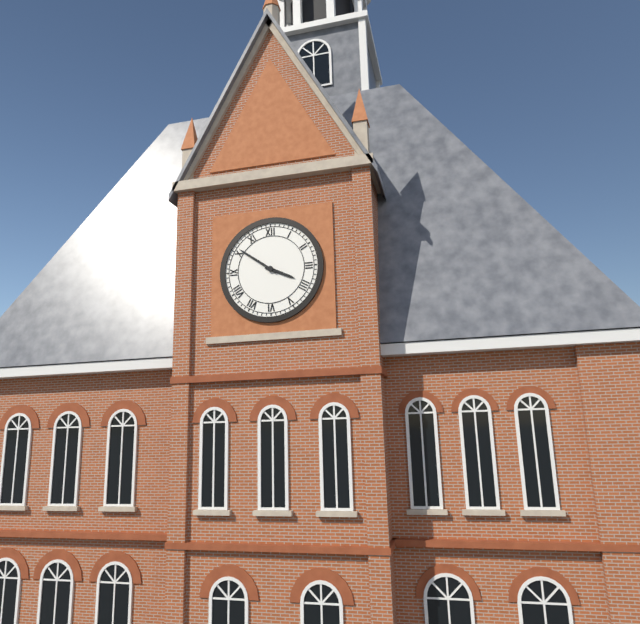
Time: 3h51
